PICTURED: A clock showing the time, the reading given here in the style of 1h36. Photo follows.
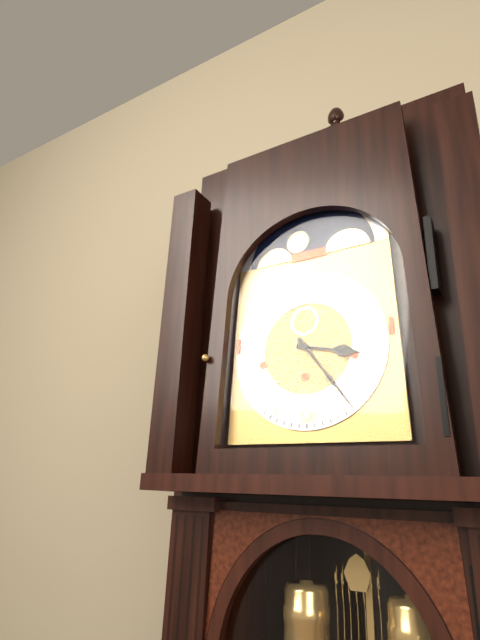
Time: 3h24
